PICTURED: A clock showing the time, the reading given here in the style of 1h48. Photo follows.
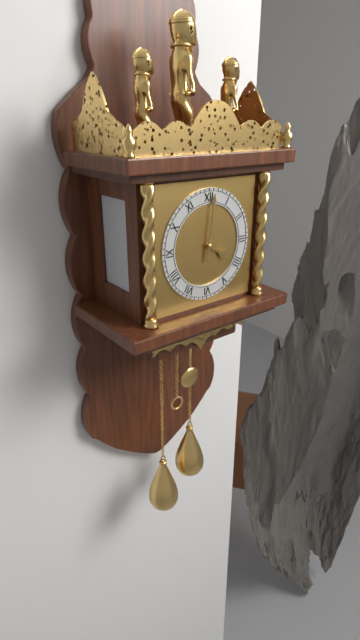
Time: 4h01
